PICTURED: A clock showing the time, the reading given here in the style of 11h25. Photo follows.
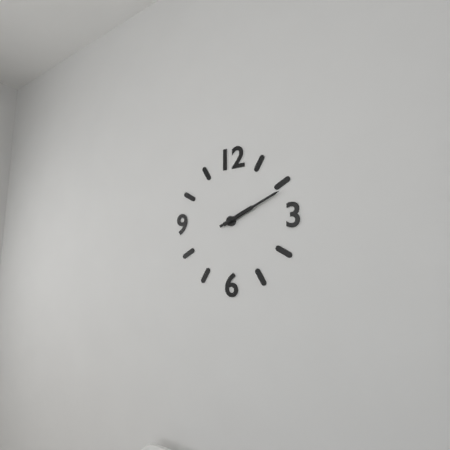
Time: 2h11
